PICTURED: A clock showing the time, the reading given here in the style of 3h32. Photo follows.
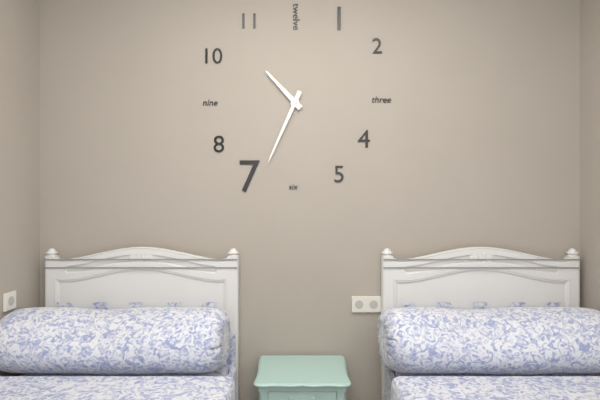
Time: 10h34
